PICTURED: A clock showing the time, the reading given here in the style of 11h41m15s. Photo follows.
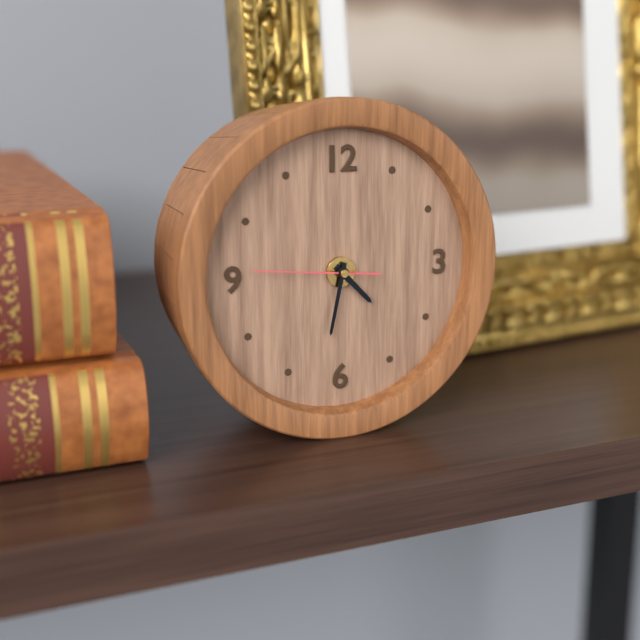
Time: 4h32m46s
